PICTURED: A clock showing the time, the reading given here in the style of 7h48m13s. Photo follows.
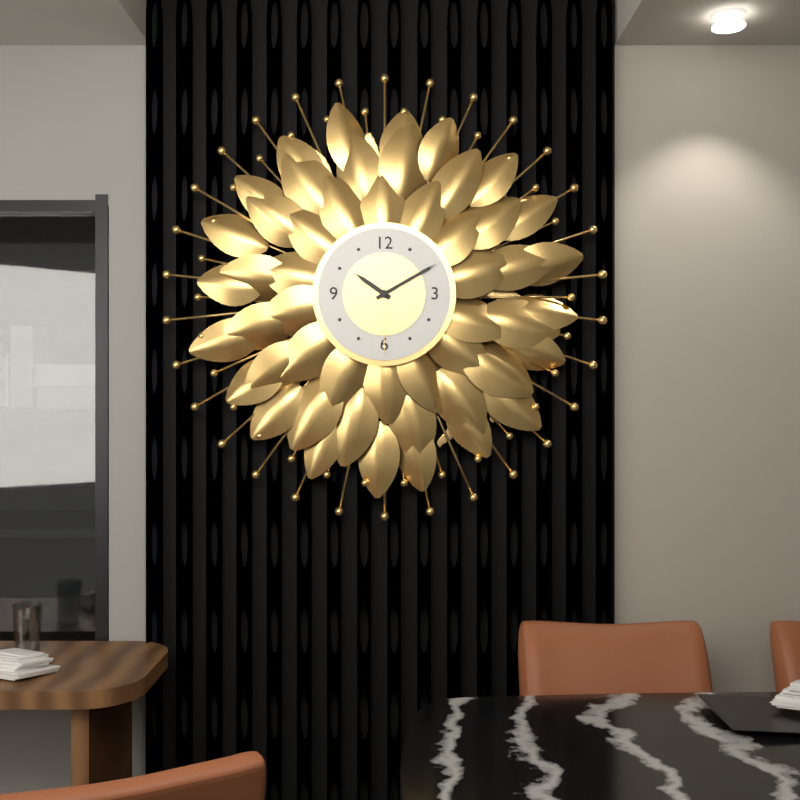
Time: 10h10m30s
